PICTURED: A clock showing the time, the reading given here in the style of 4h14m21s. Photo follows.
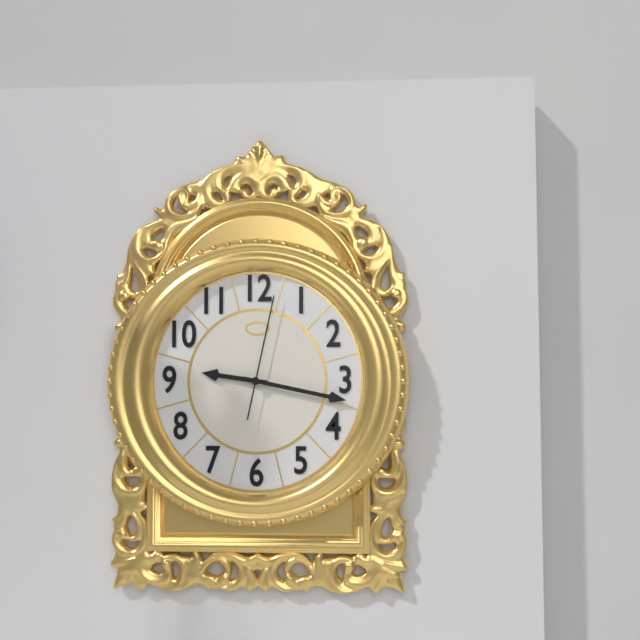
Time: 9h17m02s
